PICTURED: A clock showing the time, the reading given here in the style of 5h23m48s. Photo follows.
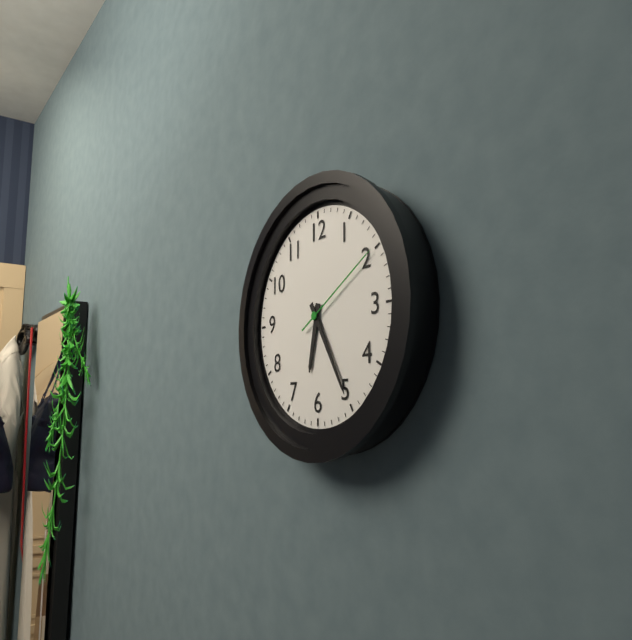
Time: 6h25m10s
